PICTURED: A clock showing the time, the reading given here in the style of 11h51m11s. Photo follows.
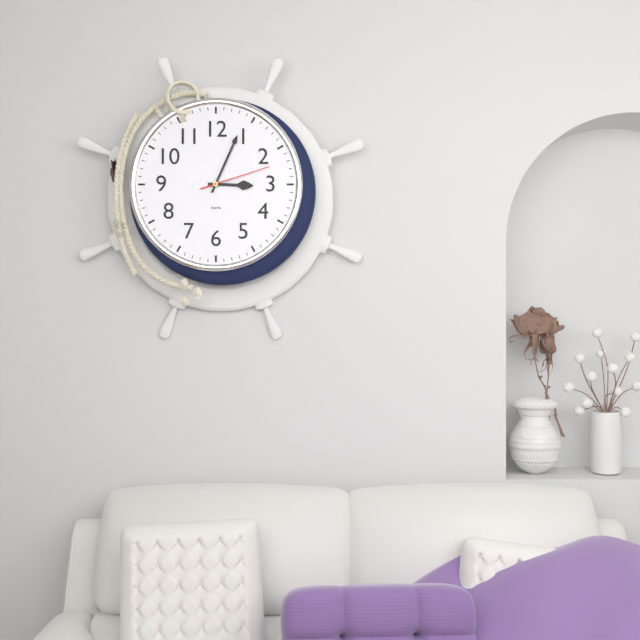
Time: 3h04m12s
